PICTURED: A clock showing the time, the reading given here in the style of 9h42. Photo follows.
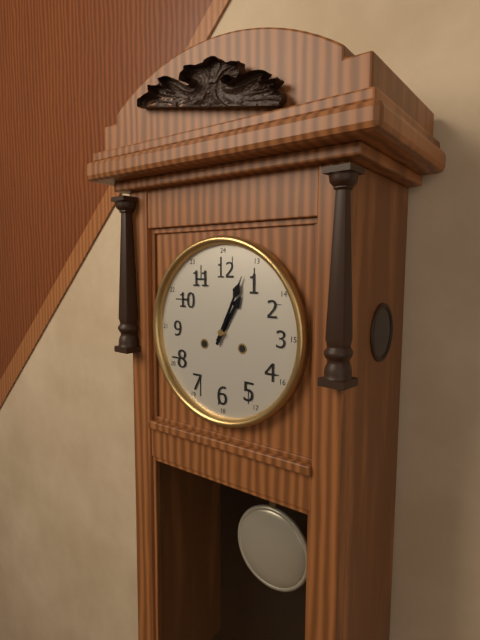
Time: 1h04
